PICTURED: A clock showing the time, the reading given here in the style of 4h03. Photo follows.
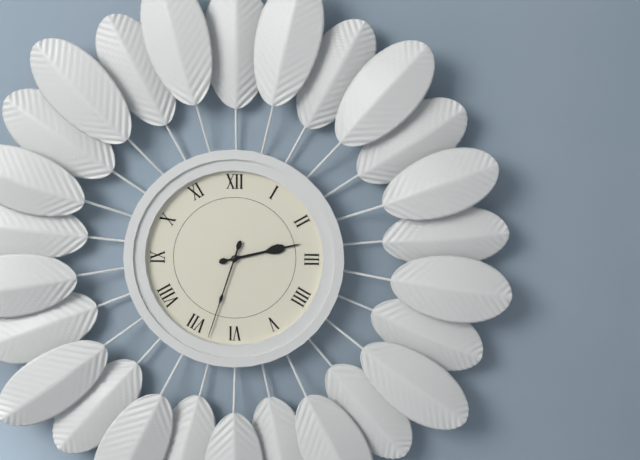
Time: 2h33
